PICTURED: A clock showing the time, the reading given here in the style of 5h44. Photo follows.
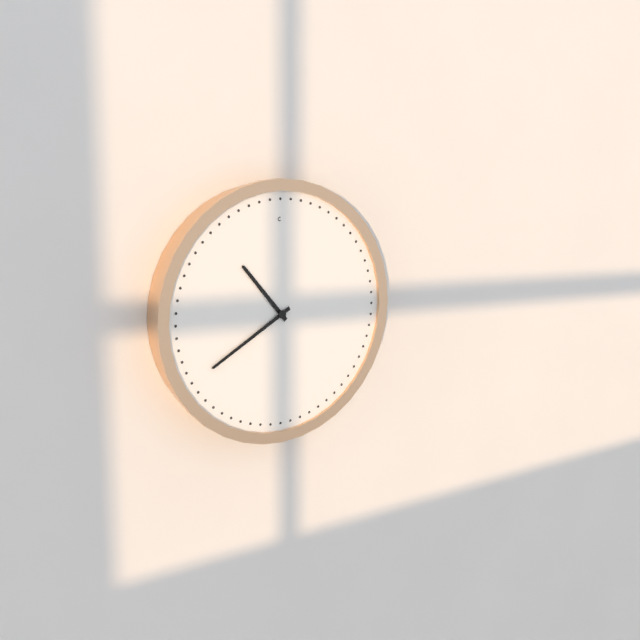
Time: 10h40
